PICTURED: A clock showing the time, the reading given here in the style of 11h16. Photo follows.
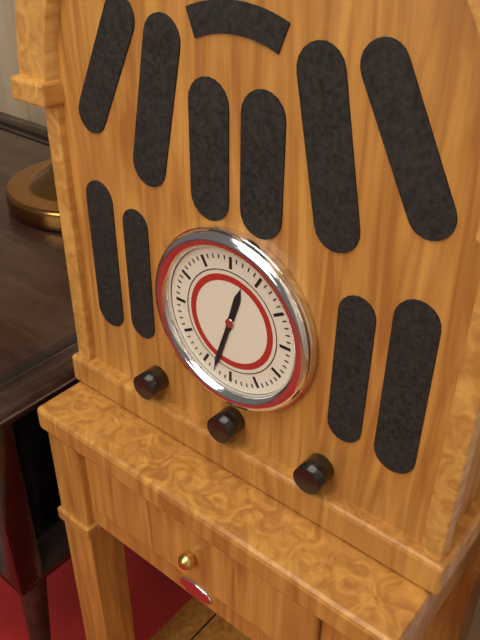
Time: 12h33
